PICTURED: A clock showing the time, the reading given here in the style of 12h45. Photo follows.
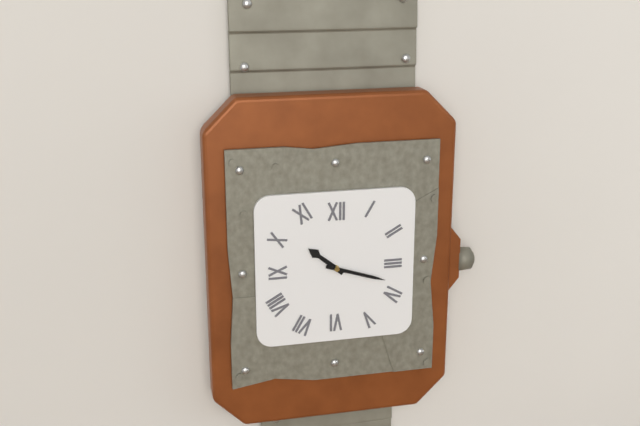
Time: 10h18
